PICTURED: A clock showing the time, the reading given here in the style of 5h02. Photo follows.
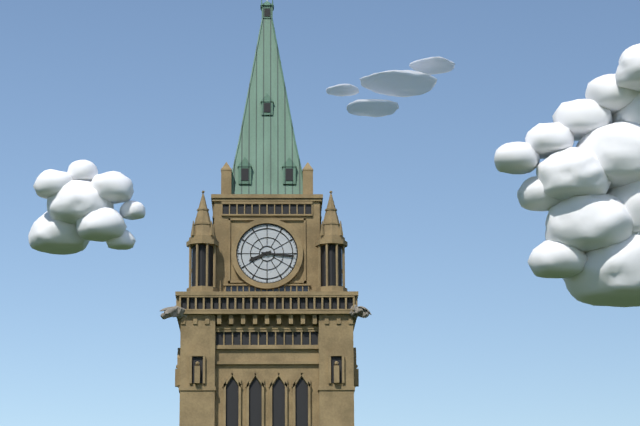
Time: 8h16
